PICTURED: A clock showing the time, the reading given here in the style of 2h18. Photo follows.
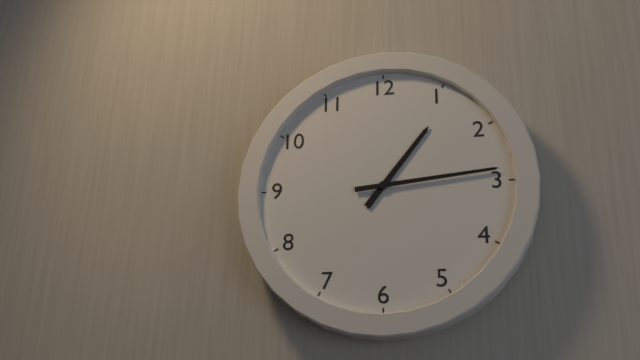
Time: 1h14
